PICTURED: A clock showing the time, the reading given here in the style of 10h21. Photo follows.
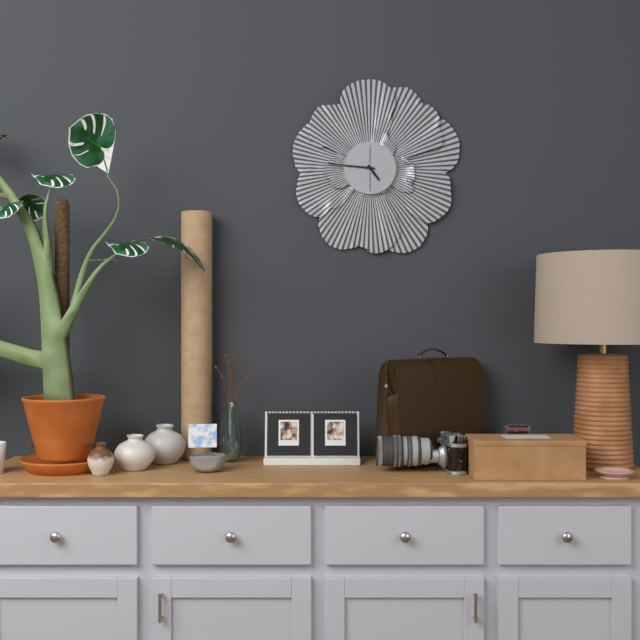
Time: 4h46
